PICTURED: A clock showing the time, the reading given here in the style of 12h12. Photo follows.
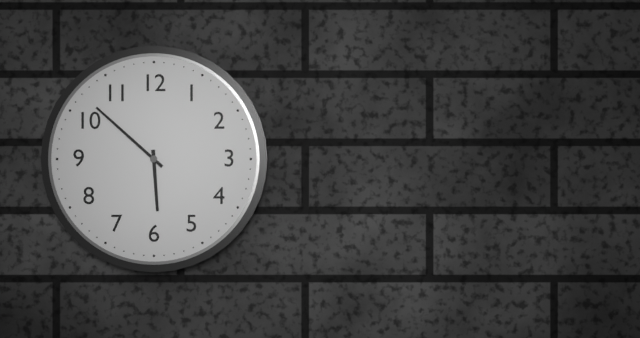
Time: 5h52
